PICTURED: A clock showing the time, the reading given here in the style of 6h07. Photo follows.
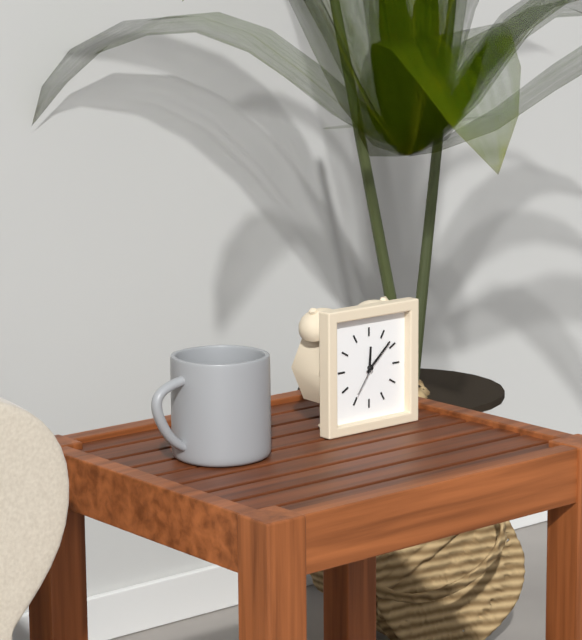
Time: 12h08
